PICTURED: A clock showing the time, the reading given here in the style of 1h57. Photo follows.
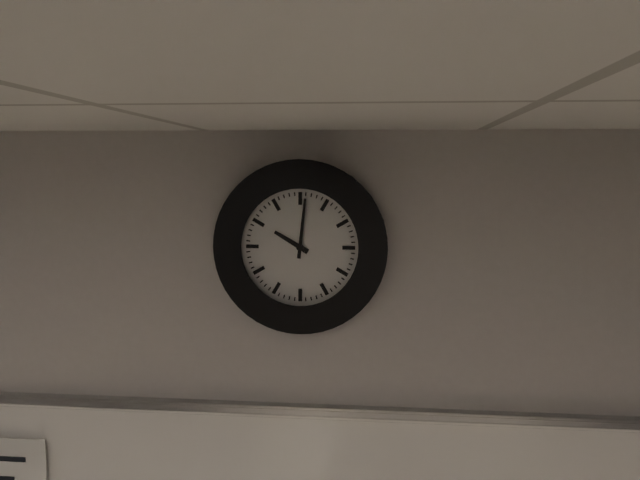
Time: 10h01
